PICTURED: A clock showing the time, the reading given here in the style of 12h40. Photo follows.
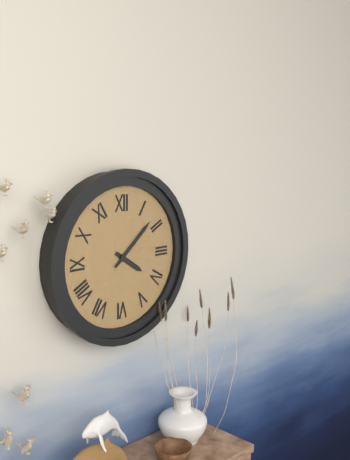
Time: 4h08
